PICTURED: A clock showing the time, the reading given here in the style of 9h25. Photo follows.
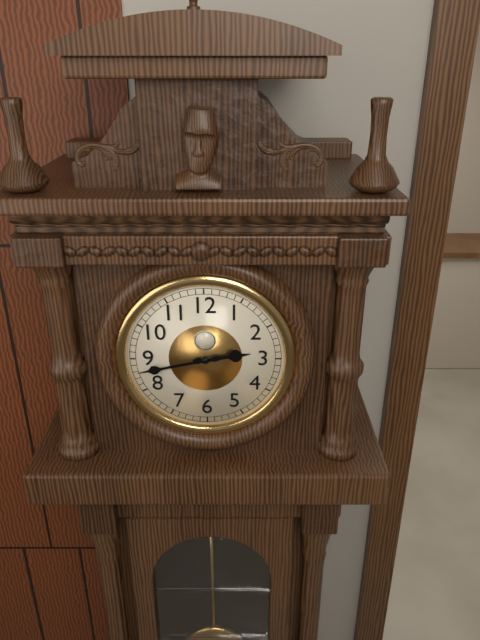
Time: 2h43
